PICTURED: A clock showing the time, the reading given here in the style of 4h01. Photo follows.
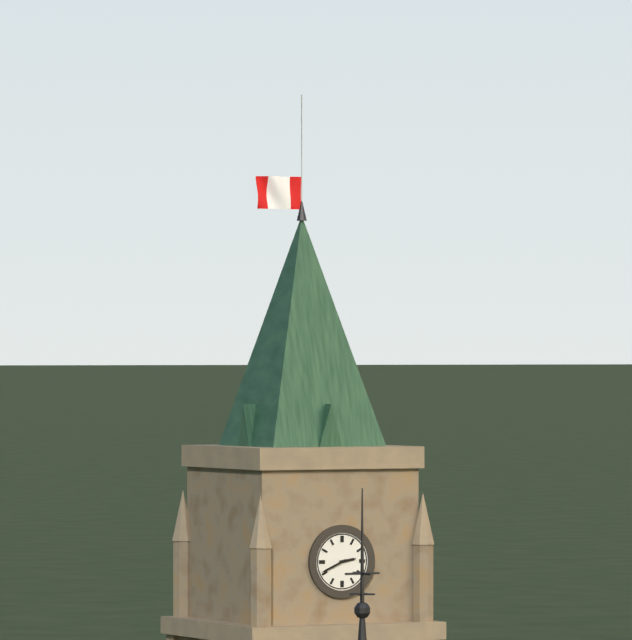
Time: 2h41
